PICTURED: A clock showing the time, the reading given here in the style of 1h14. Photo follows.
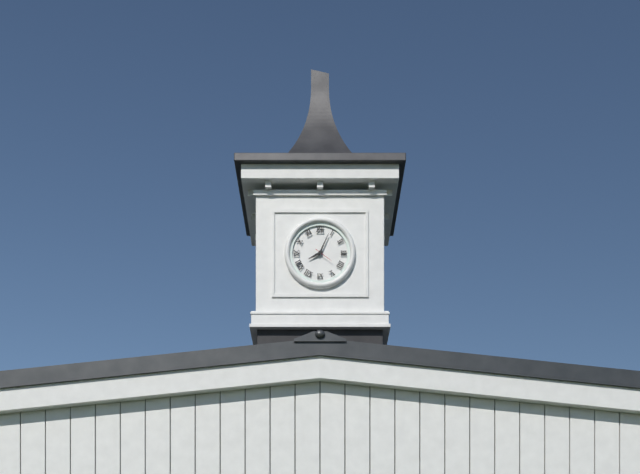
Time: 8h04
